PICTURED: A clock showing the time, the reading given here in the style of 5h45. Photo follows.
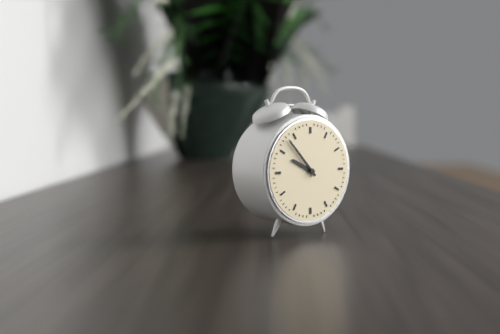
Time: 9h53
